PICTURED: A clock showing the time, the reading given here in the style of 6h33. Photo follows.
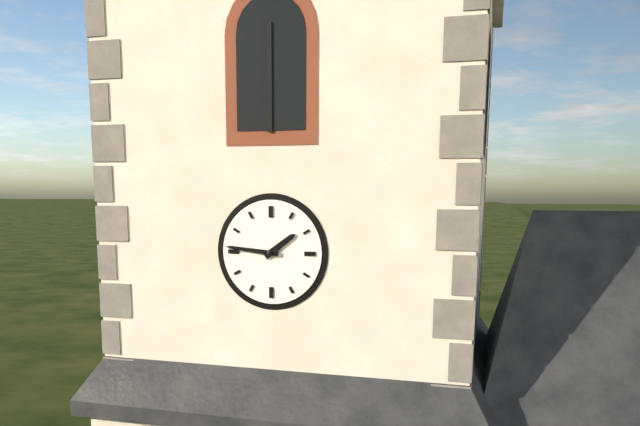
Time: 1h46
